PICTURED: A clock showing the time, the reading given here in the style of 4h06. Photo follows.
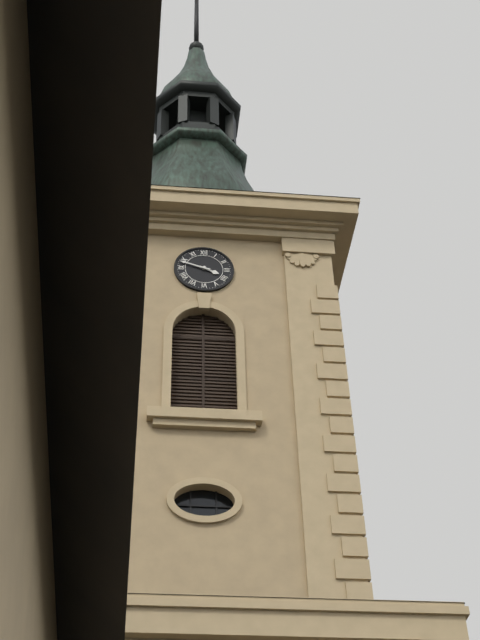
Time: 3h48
